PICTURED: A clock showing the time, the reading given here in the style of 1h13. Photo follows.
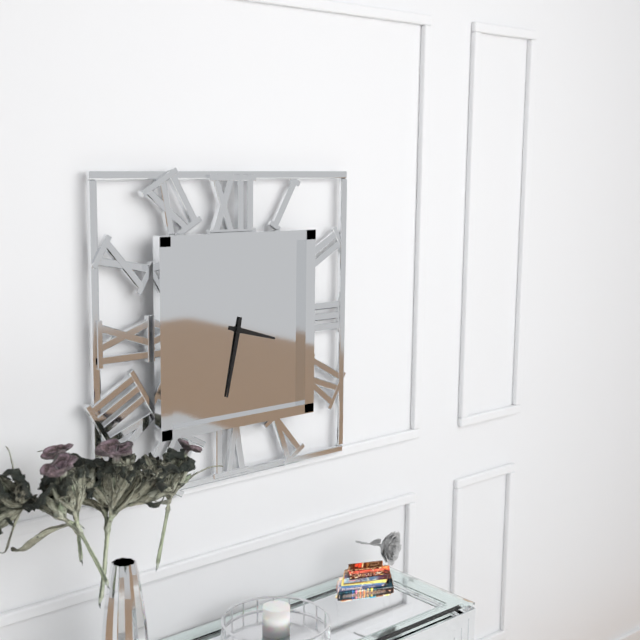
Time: 3h32
